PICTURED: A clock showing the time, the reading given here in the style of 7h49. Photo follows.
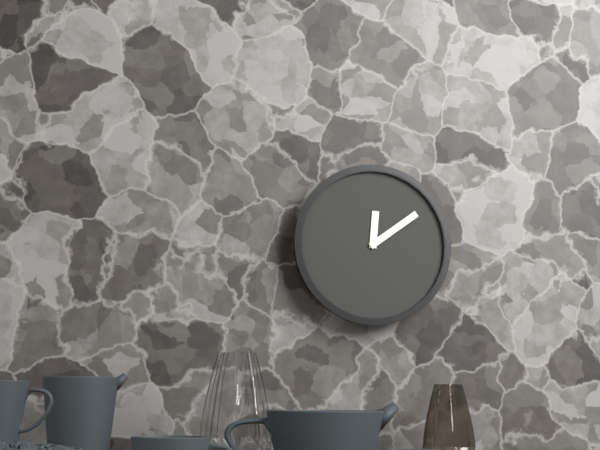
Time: 12h09
